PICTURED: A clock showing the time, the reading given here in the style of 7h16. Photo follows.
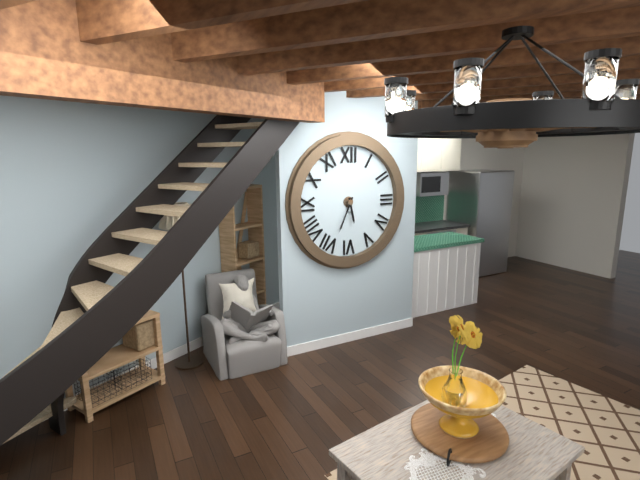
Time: 5h34
